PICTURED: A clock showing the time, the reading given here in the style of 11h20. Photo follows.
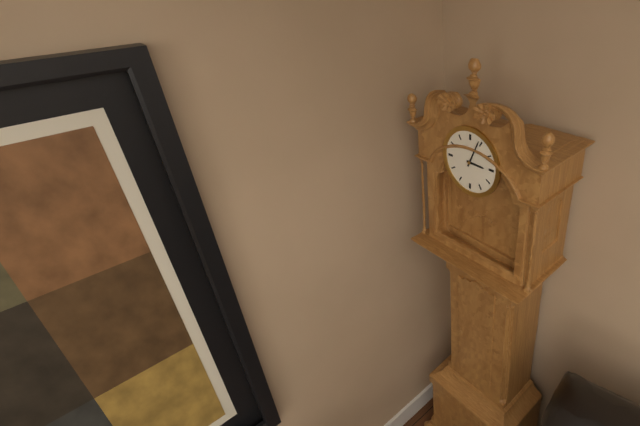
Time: 3h04
